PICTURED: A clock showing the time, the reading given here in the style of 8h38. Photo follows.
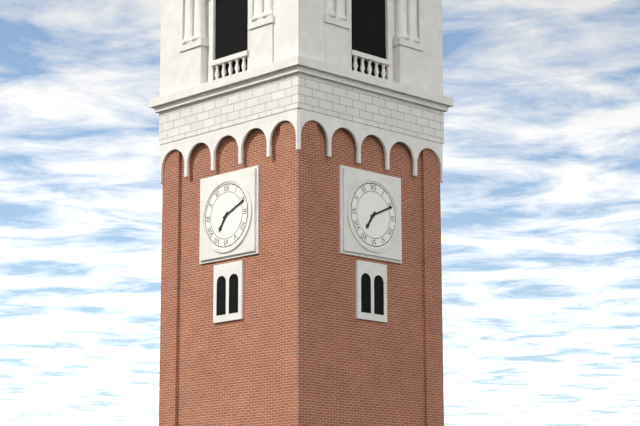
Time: 7h11
